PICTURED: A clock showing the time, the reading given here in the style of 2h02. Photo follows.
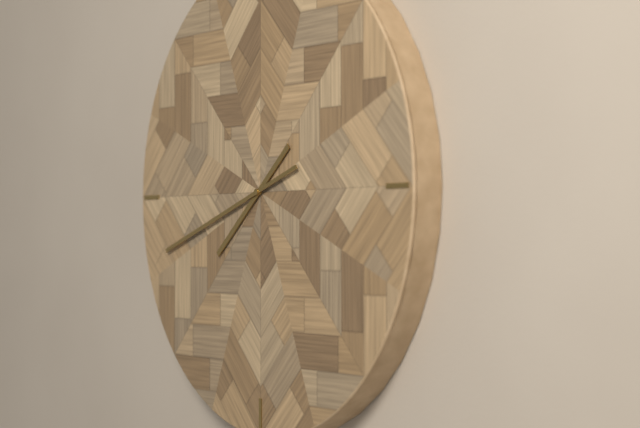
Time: 7h42
